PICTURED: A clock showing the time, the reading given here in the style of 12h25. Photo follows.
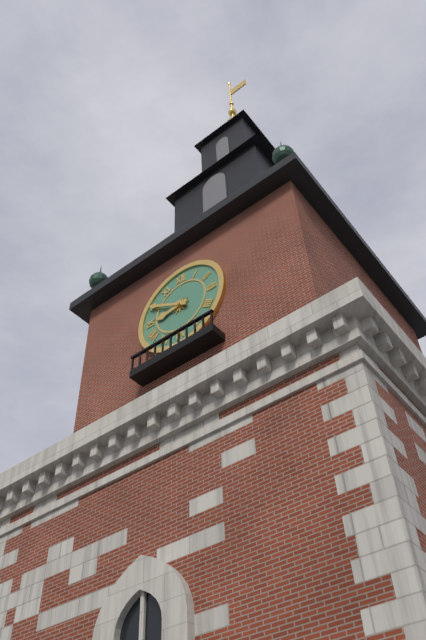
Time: 8h50
